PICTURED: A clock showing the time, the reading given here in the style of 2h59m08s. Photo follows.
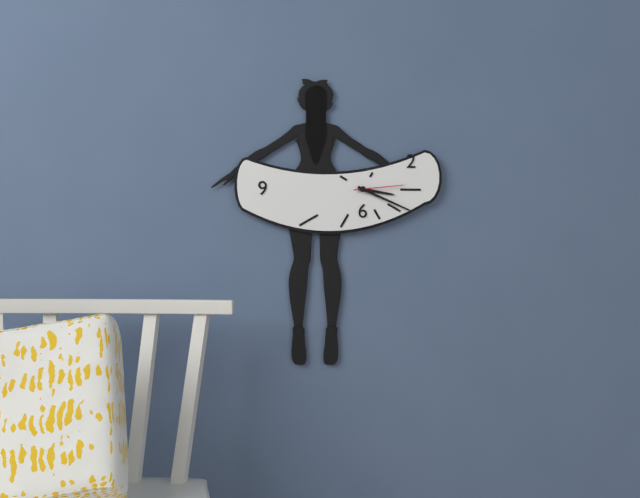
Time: 3h19m14s
